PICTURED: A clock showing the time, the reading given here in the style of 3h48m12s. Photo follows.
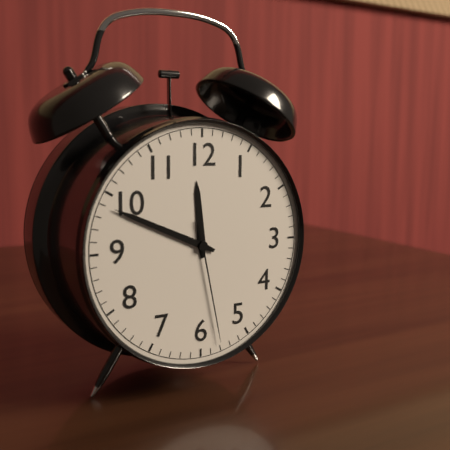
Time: 11h49m28s
